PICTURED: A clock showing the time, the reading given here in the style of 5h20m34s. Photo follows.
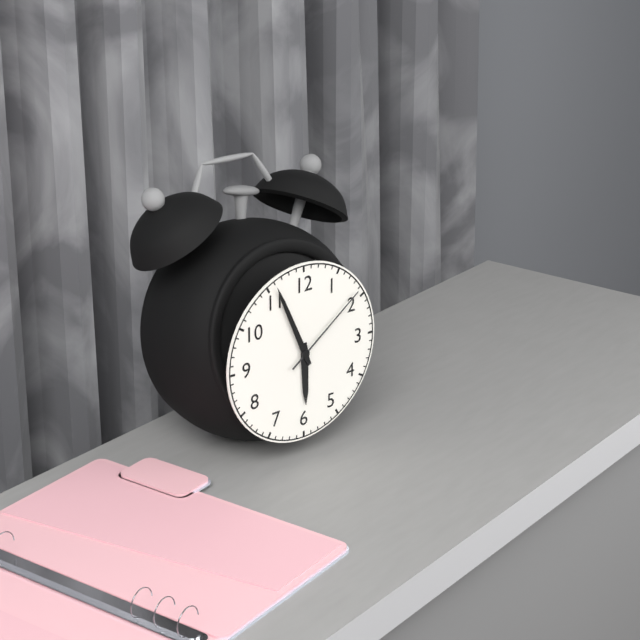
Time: 5h56m09s
